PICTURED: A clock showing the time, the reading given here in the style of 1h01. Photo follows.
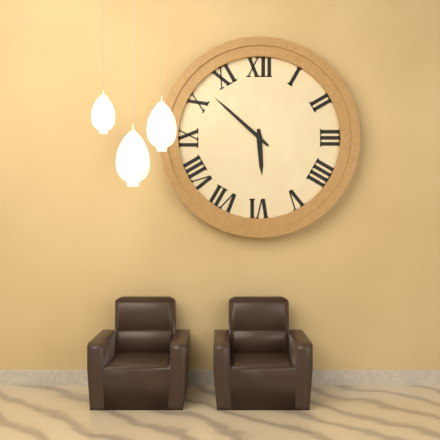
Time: 5h52
